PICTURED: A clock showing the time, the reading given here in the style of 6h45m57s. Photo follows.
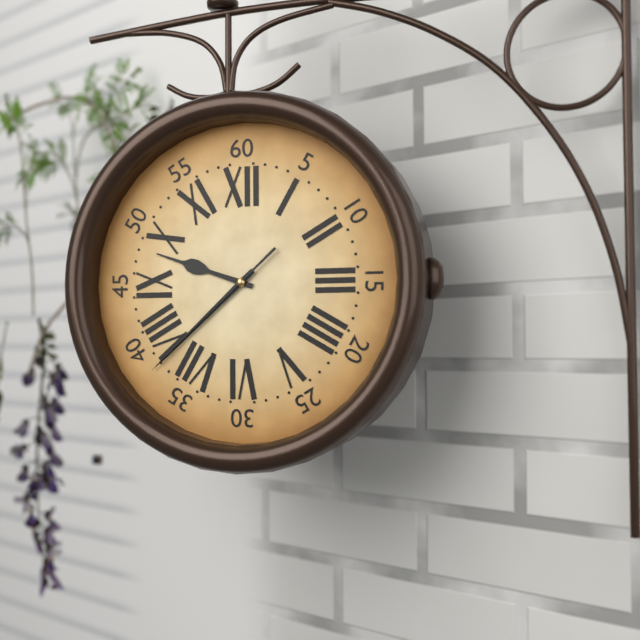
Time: 9h38m38s
